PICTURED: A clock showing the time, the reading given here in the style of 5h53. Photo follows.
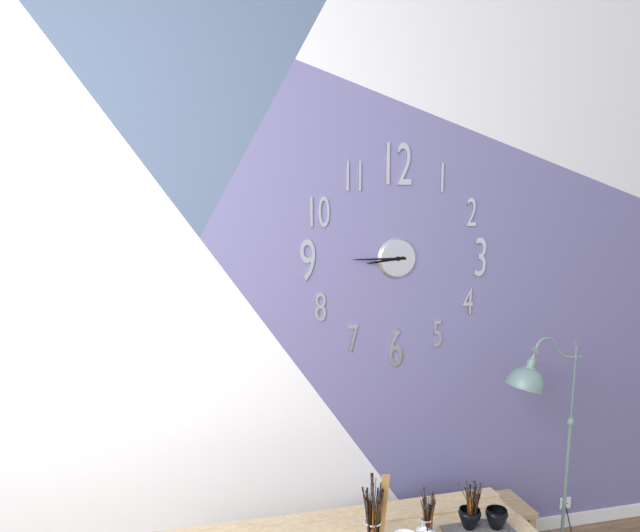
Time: 8h45
